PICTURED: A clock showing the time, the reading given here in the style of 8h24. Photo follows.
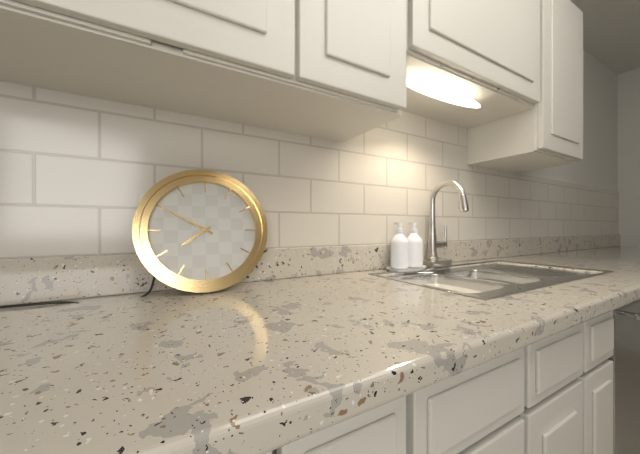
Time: 7h50
